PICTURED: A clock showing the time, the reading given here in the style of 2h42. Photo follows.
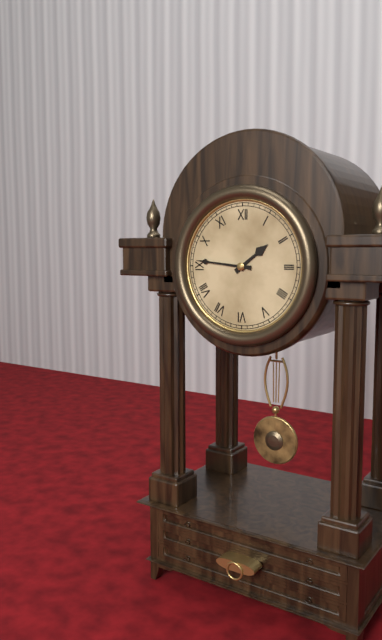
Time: 1h46
